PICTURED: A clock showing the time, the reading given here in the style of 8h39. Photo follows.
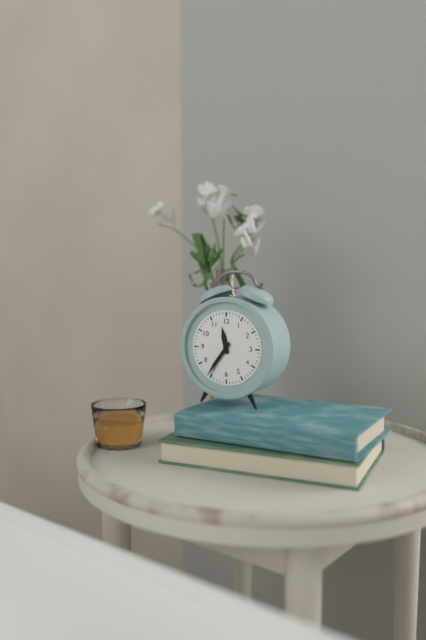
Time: 11h36
